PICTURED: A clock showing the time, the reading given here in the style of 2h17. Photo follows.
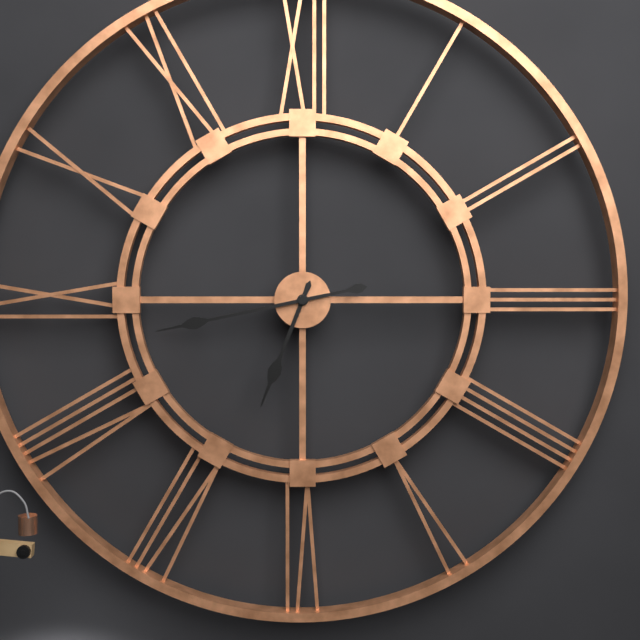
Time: 6h43
